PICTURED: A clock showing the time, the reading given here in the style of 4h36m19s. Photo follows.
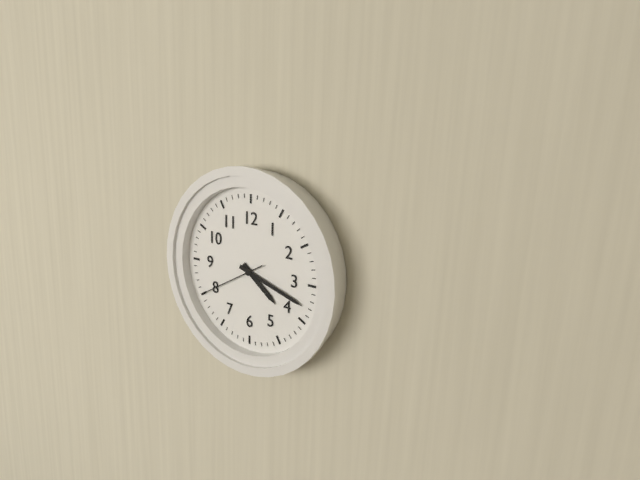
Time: 4h18m40s
